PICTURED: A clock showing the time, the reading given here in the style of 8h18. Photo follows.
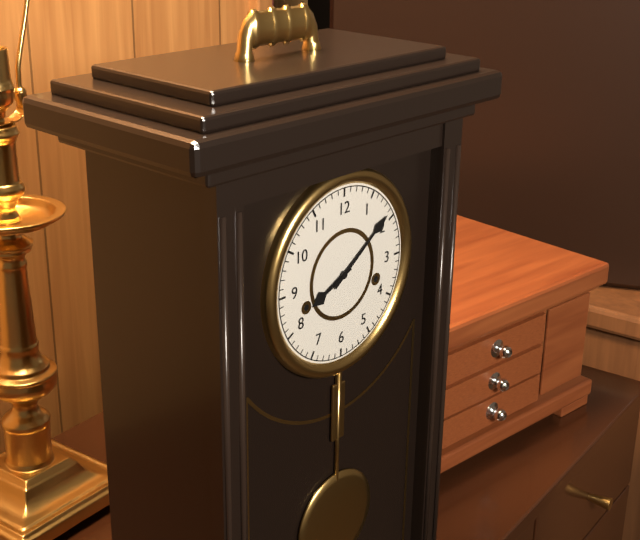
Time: 8h09
